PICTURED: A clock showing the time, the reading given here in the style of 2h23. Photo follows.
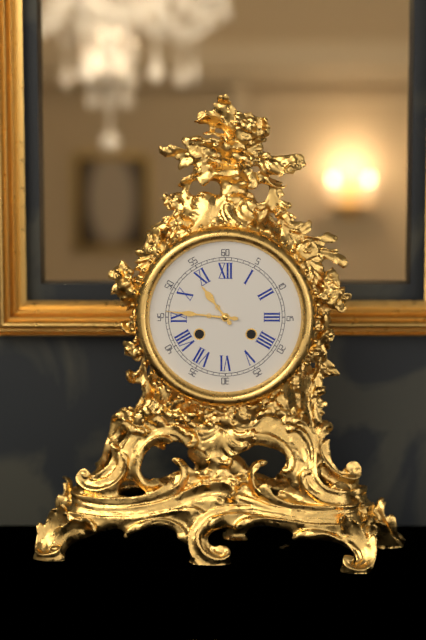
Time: 10h46
